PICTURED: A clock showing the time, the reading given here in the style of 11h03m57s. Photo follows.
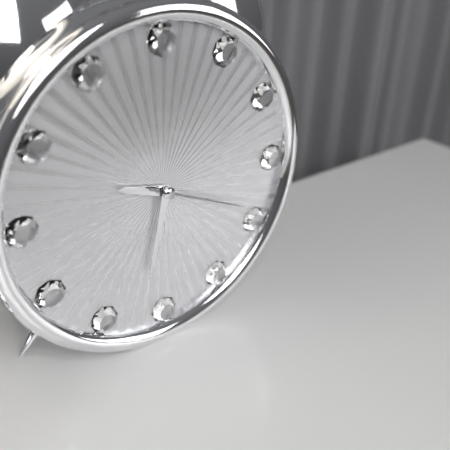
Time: 9h32m19s
